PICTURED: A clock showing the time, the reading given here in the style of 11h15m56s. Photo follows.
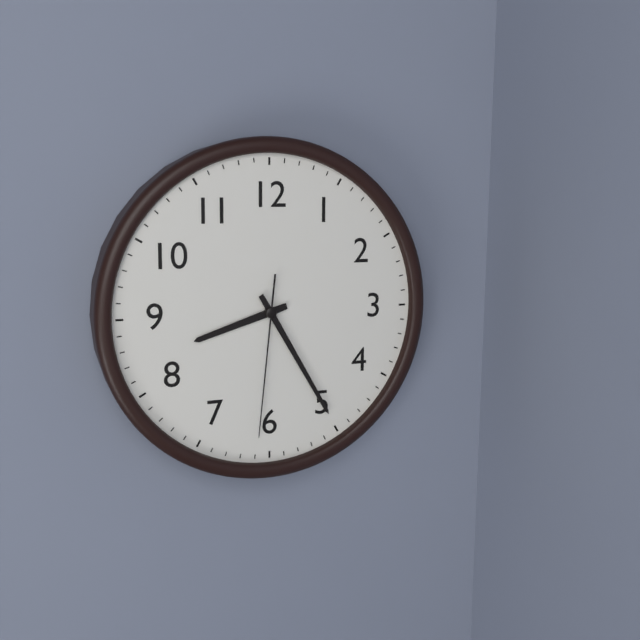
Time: 8h25m31s
